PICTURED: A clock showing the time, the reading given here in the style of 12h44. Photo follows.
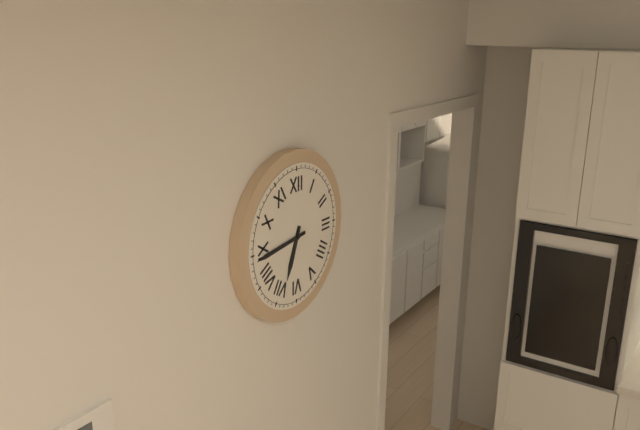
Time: 6h44
